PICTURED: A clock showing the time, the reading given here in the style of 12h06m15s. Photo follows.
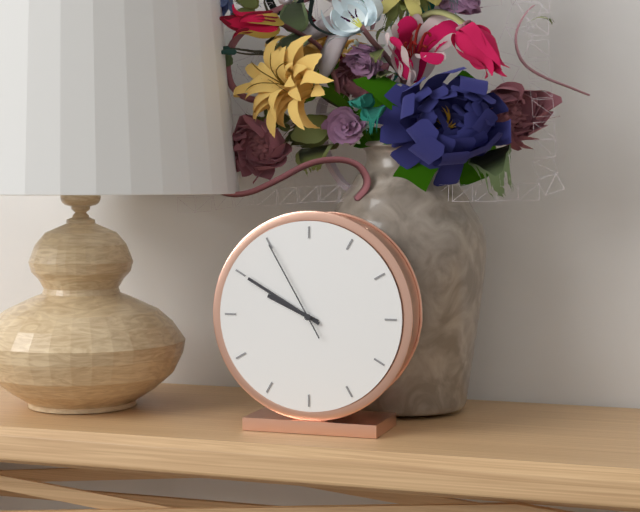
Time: 9h50m55s
